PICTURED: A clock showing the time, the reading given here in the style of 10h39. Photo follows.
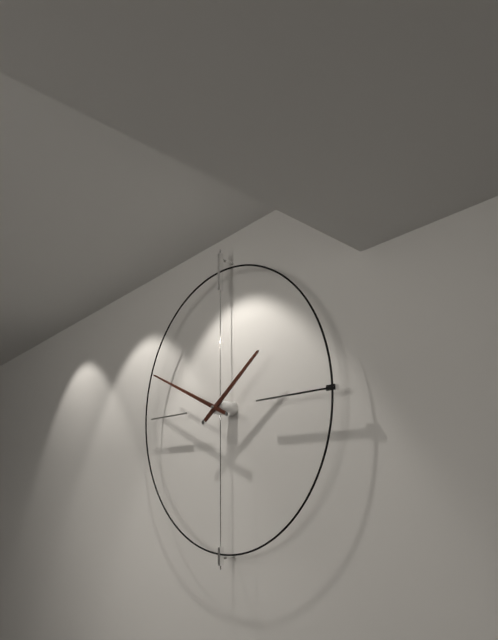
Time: 1h49
